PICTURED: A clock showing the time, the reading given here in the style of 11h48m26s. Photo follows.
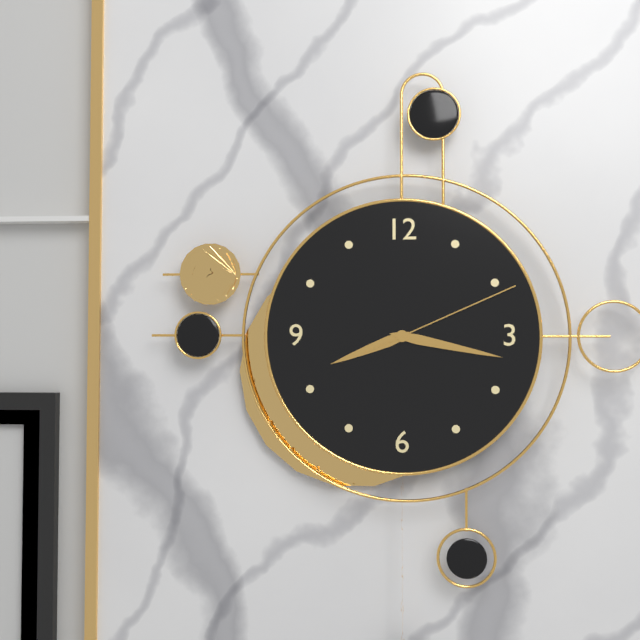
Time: 8h17m11s
